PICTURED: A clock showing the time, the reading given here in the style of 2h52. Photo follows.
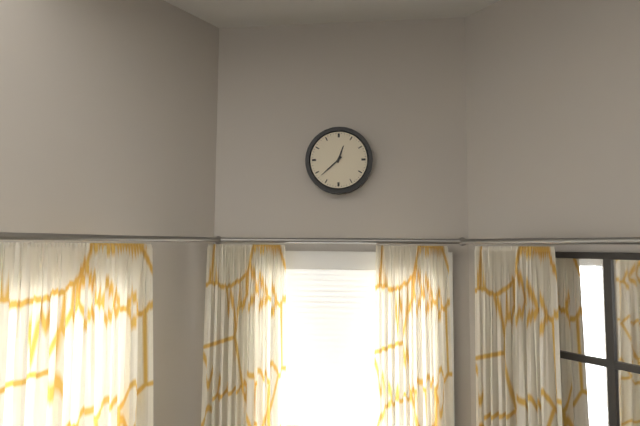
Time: 12h38
